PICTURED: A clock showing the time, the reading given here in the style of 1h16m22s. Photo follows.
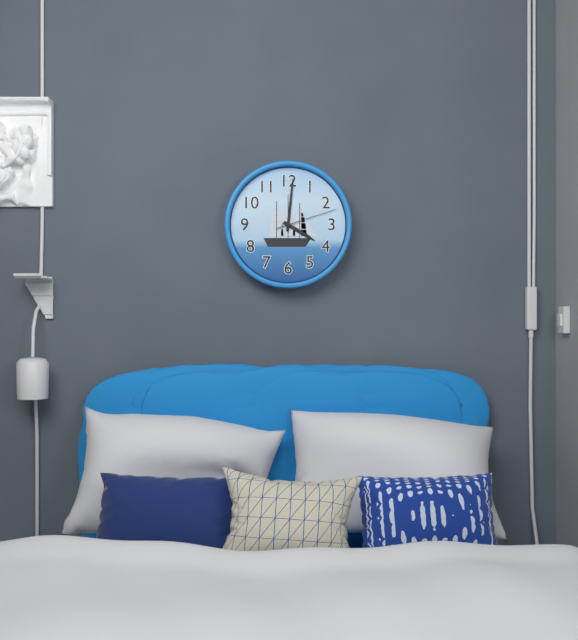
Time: 4h01m12s
